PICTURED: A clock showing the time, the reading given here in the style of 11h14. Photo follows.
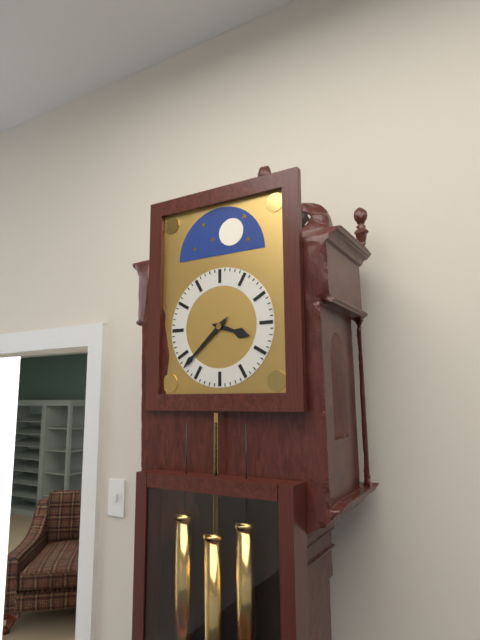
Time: 3h38
